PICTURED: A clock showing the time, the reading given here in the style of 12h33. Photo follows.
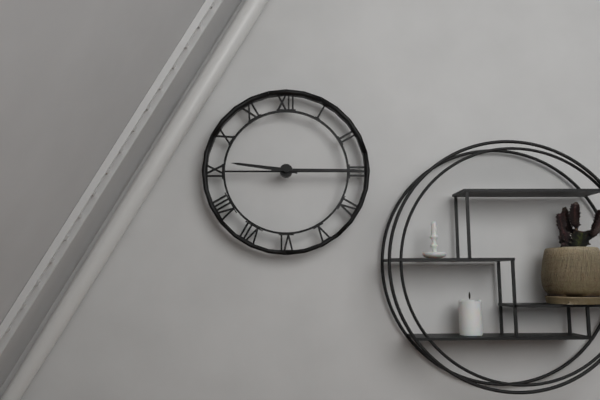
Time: 9h15
